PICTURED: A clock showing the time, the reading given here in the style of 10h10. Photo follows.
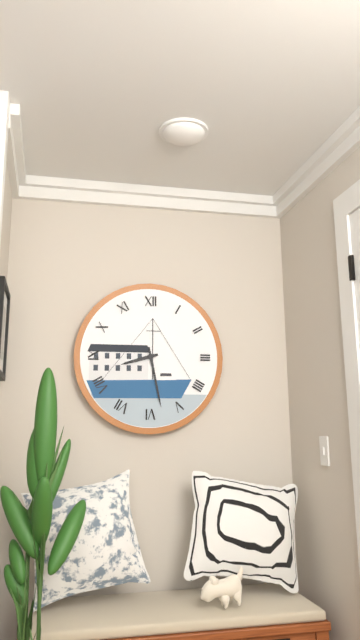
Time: 8h28
